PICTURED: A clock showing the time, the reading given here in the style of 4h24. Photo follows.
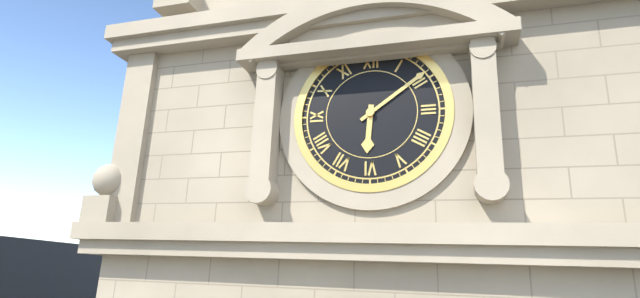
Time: 6h09
